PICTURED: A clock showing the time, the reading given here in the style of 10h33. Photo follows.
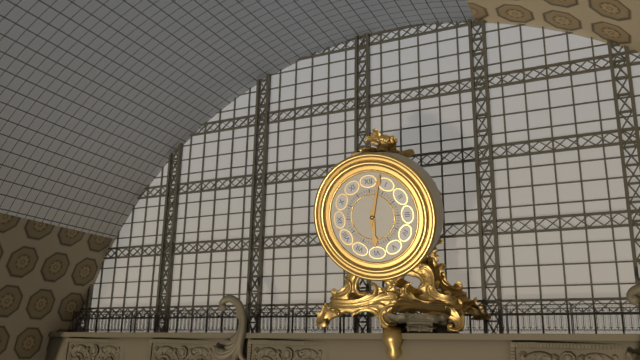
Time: 6h03
